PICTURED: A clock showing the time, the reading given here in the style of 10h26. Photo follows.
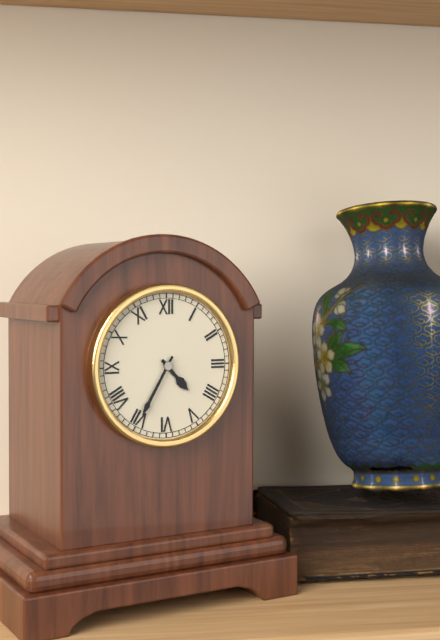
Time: 4h35
